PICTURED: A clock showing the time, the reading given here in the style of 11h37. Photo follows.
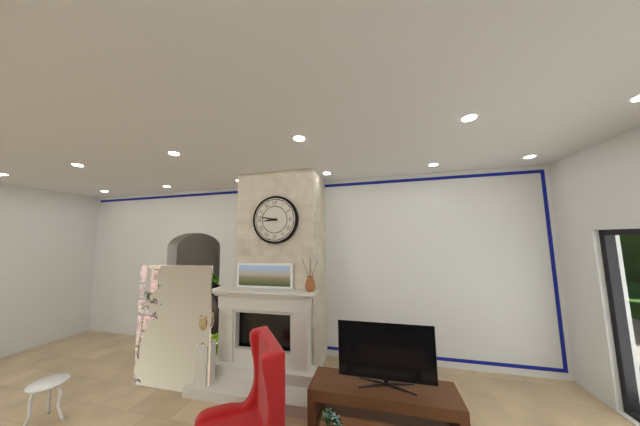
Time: 8h47
